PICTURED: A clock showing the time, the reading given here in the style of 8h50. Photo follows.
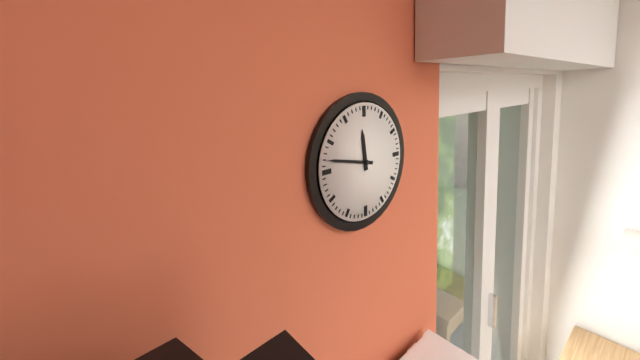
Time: 11h47
